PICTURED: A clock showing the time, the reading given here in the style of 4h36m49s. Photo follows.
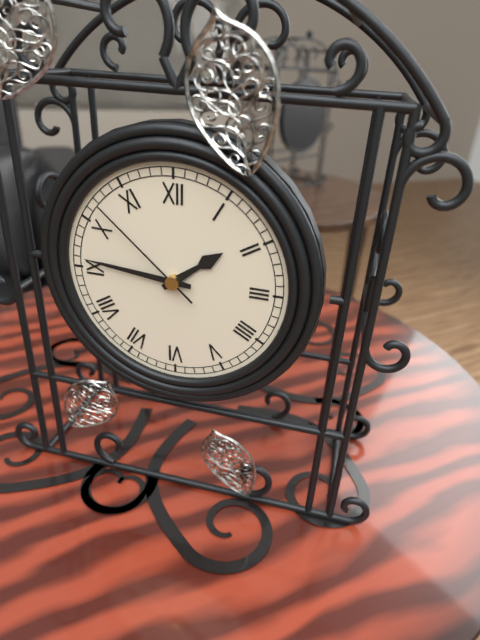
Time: 1h46m52s
